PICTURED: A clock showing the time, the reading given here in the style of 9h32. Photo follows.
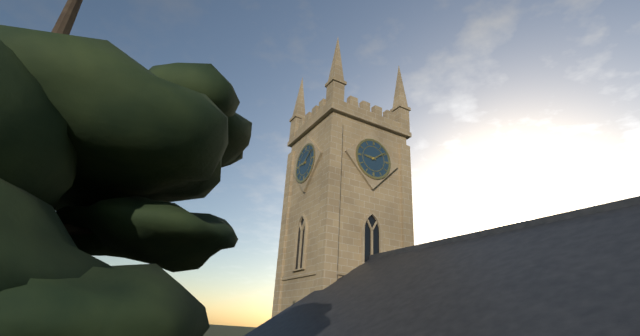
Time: 9h09
